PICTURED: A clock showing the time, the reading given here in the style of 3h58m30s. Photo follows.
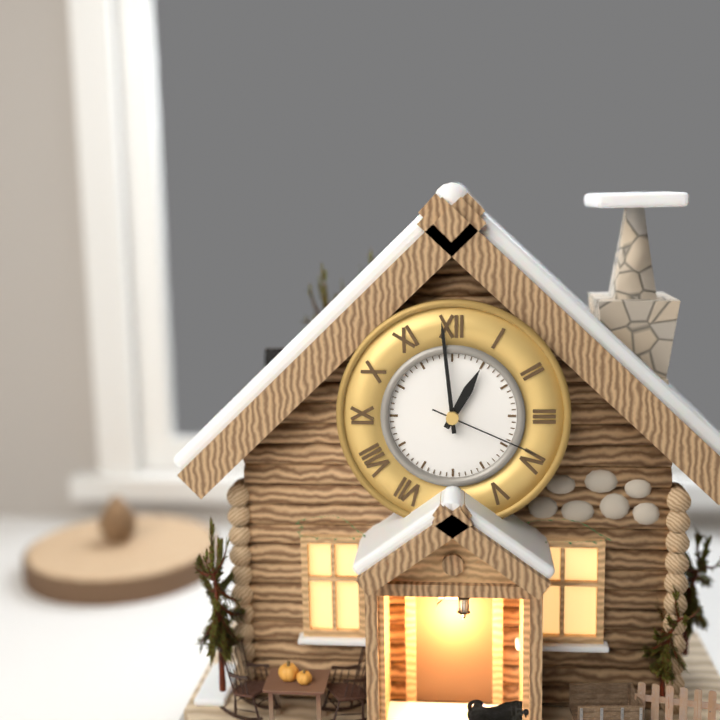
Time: 12h59m19s
